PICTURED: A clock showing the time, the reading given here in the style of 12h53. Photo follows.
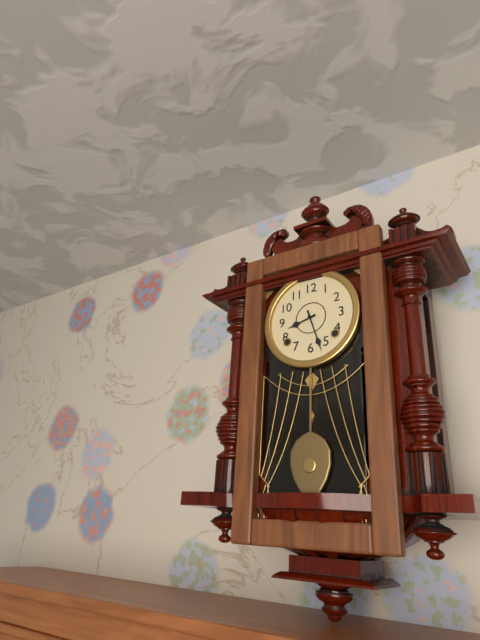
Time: 8h27
